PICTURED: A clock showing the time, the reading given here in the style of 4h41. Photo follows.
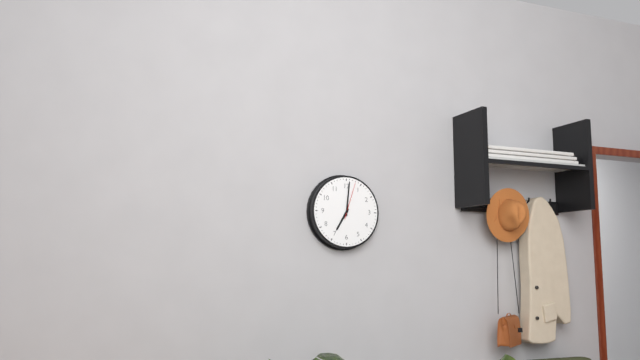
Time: 7h01
